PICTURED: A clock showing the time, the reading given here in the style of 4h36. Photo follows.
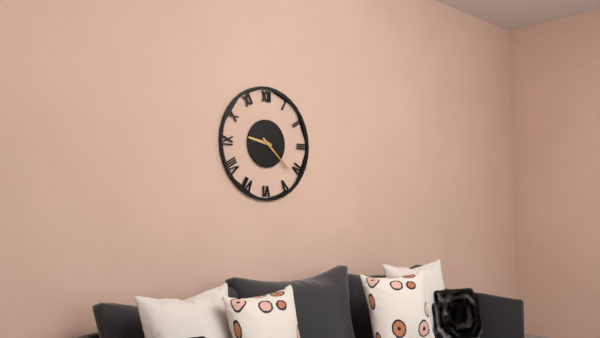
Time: 9h22
